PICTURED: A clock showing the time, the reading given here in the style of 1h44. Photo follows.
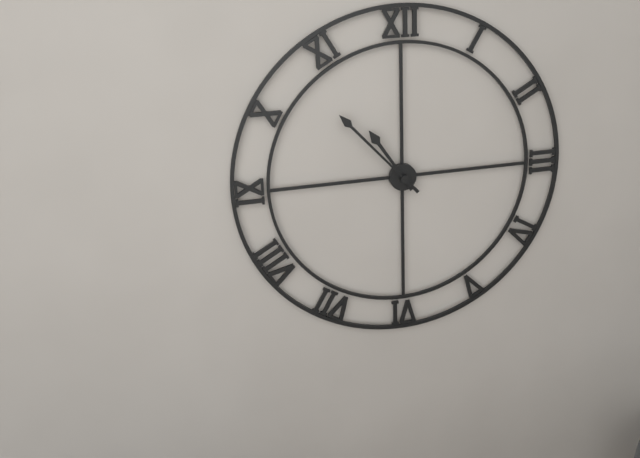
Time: 10h53
